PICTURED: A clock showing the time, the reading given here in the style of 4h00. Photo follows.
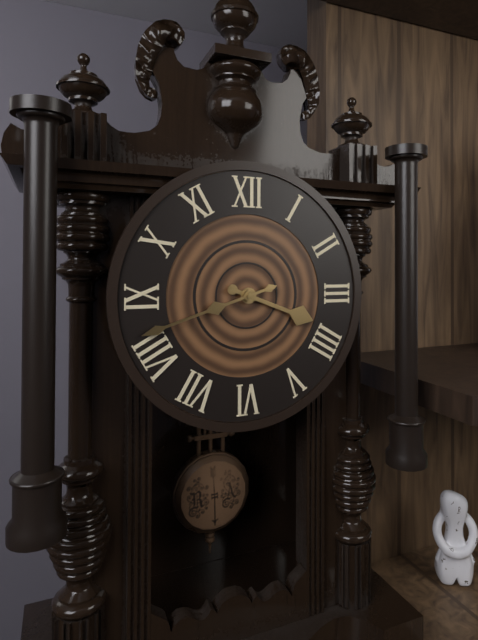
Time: 3h42
